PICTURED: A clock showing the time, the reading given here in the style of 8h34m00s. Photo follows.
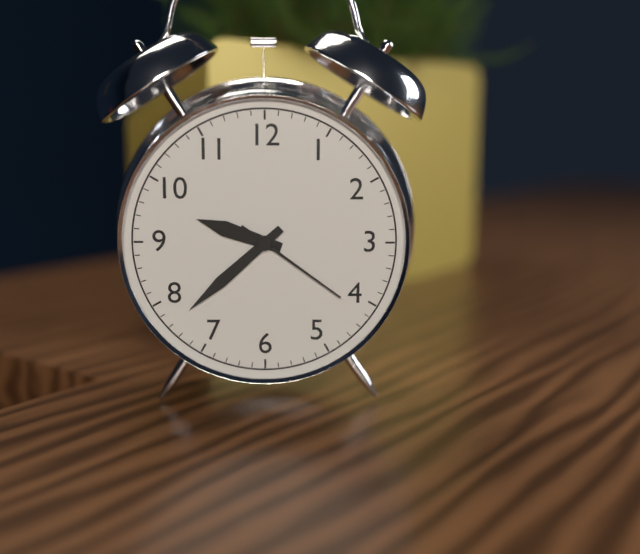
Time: 9h38m21s
